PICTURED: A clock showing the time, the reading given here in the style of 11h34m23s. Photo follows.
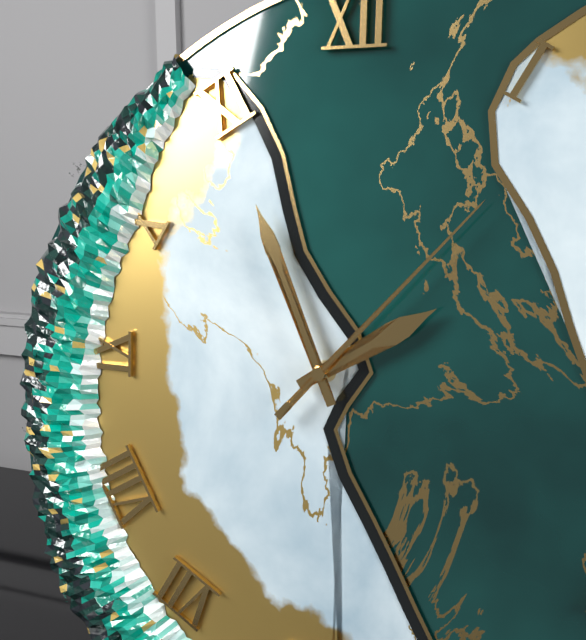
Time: 1h56m07s
